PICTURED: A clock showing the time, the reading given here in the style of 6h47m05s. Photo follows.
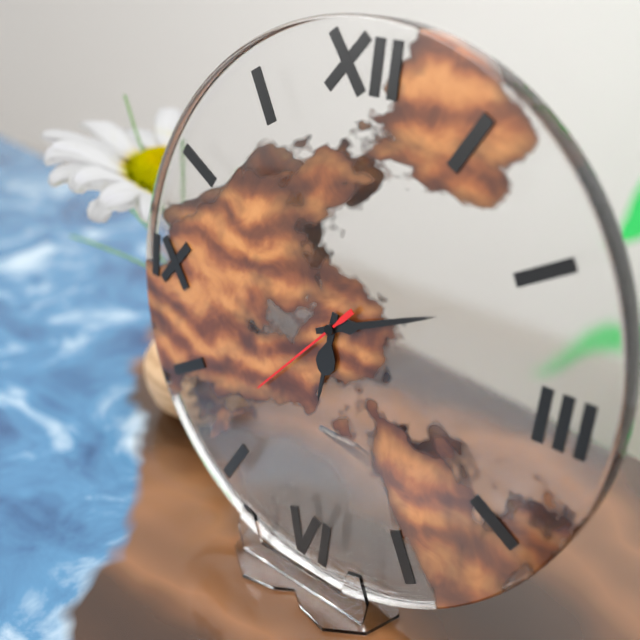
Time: 6h11m37s
